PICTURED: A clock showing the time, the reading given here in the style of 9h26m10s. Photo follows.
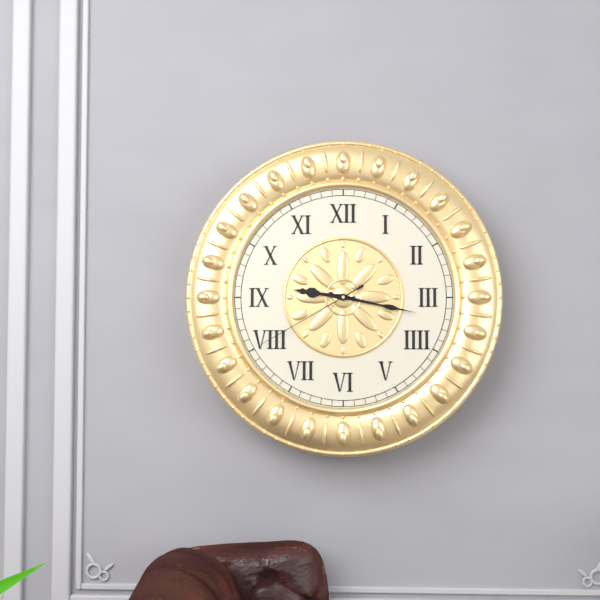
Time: 9h17m40s
